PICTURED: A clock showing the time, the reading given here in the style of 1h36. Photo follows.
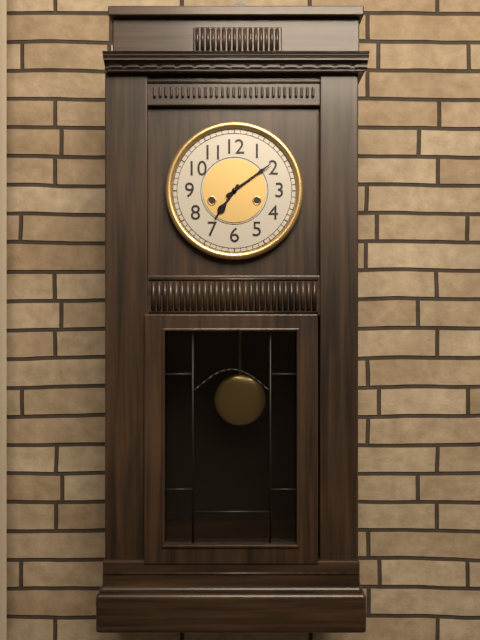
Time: 7h09
